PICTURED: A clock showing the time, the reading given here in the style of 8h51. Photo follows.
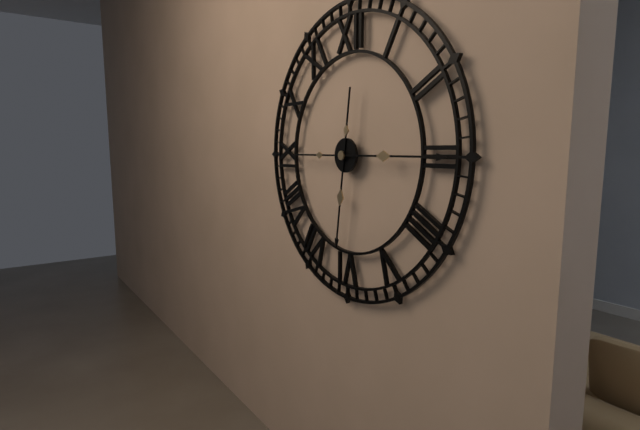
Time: 6h15
